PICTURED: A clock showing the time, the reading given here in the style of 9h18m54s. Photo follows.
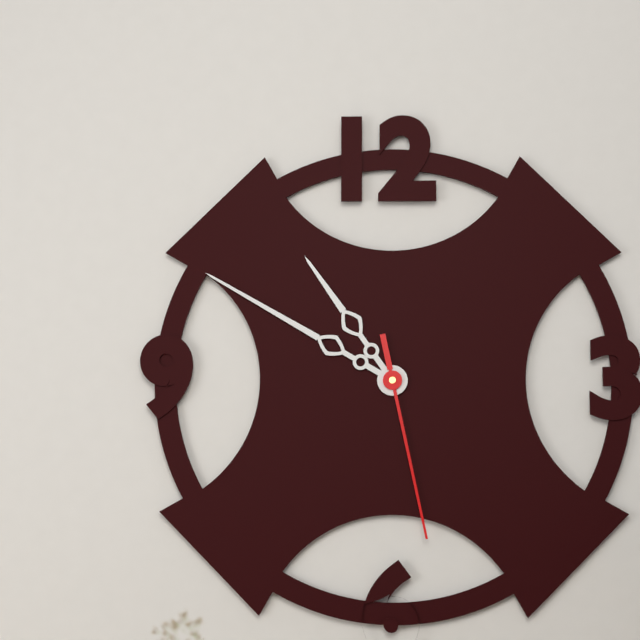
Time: 10h50m28s
